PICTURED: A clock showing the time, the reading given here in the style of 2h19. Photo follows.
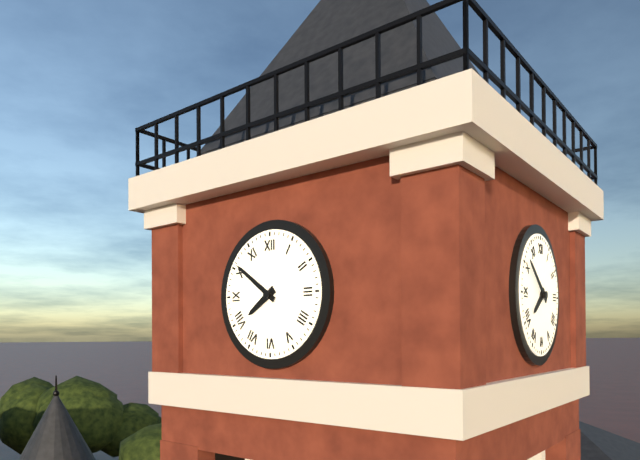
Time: 7h51
